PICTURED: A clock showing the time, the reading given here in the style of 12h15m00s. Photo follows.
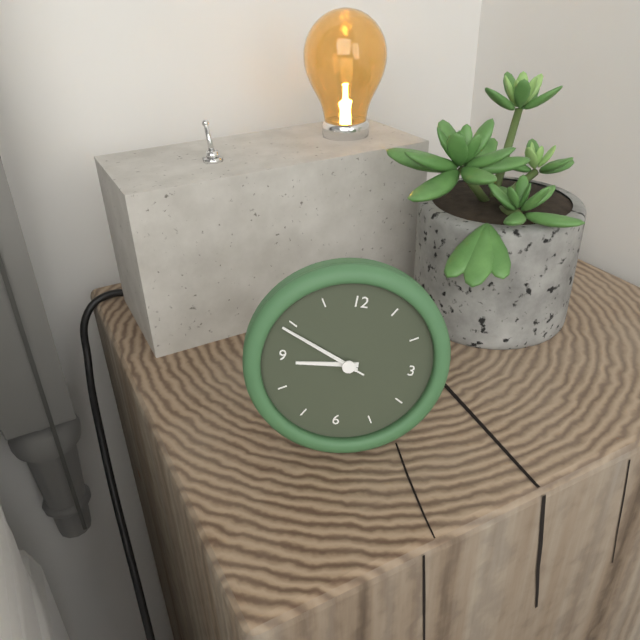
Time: 8h49m49s
